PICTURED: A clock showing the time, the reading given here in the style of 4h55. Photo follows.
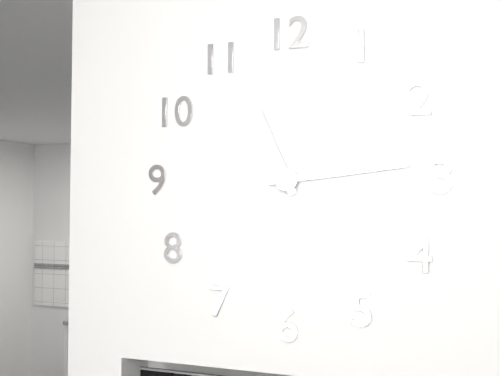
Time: 11h14
